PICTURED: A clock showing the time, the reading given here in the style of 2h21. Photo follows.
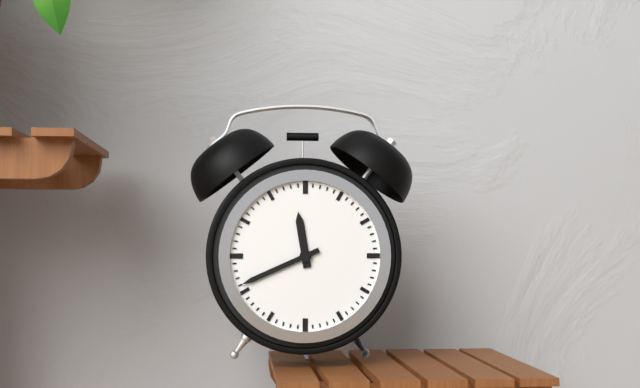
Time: 11h41
